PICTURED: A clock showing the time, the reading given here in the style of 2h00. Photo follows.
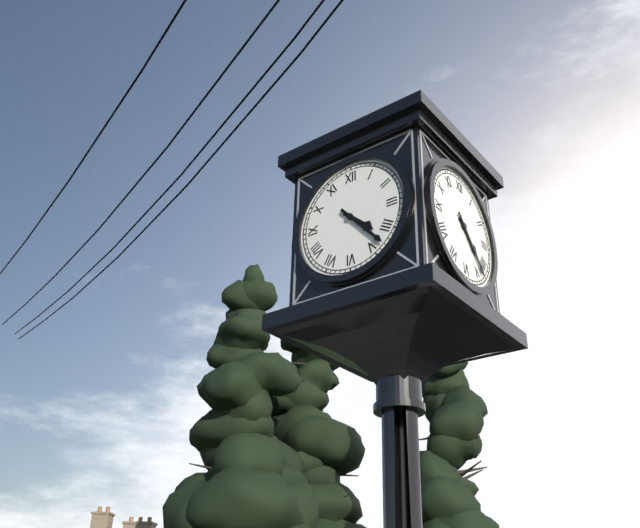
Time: 4h23
